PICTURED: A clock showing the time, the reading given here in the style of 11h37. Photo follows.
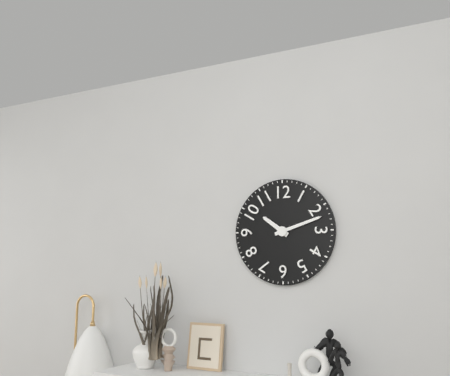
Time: 10h12
